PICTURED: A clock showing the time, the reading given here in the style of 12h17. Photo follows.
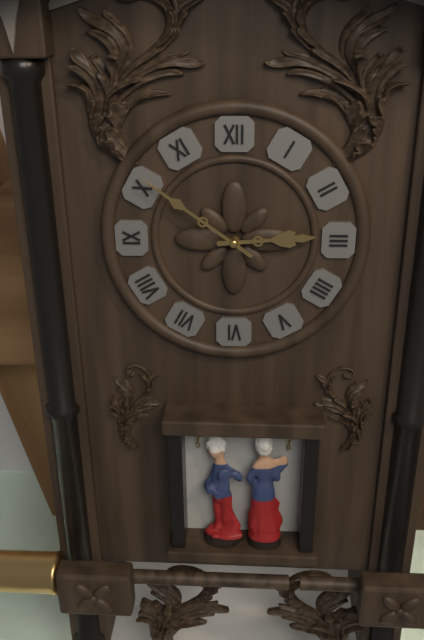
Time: 2h51
